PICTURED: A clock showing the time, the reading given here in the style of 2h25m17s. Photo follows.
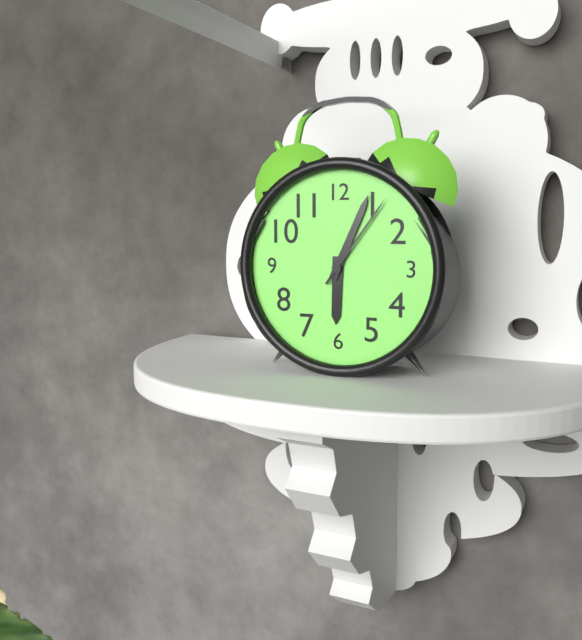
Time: 6h04m06s
